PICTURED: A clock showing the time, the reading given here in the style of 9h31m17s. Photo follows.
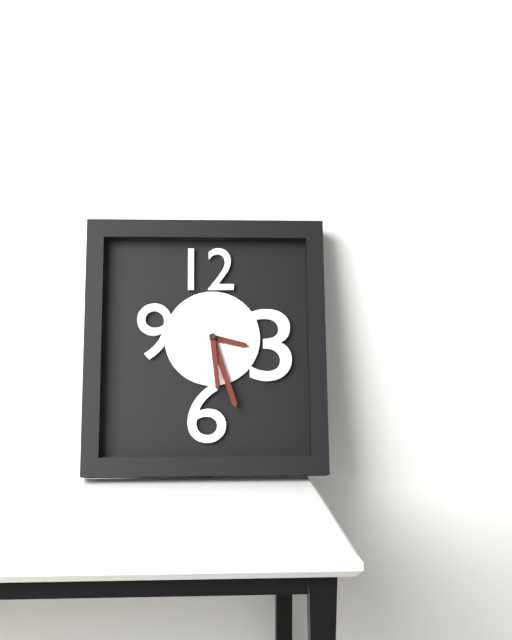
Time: 3h27m29s
